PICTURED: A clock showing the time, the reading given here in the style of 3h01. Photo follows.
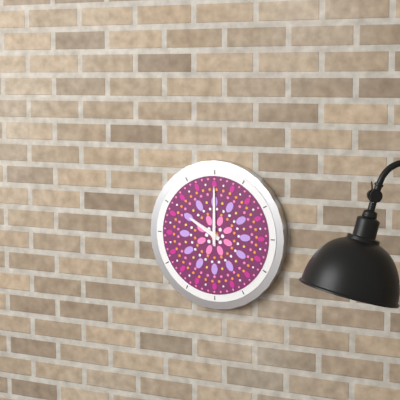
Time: 10h00
